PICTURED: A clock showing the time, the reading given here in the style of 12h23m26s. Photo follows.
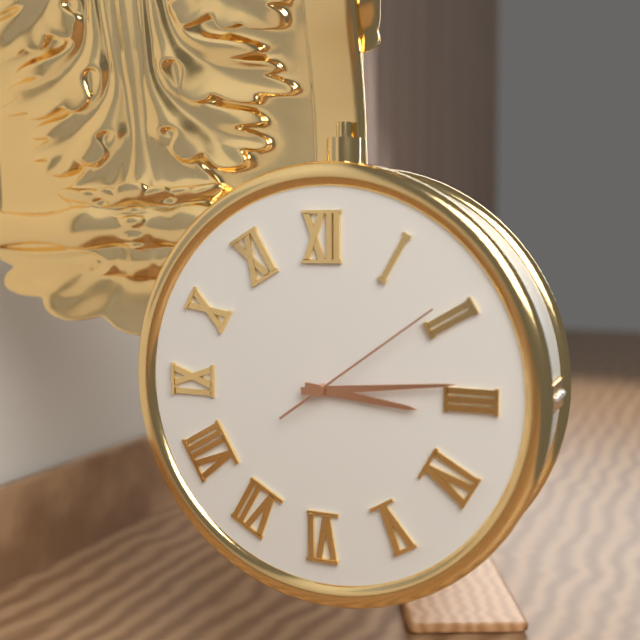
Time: 3h14m09s
